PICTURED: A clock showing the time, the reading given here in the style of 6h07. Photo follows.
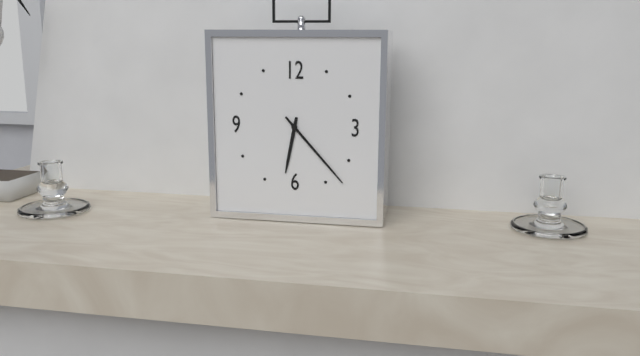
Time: 6h23
